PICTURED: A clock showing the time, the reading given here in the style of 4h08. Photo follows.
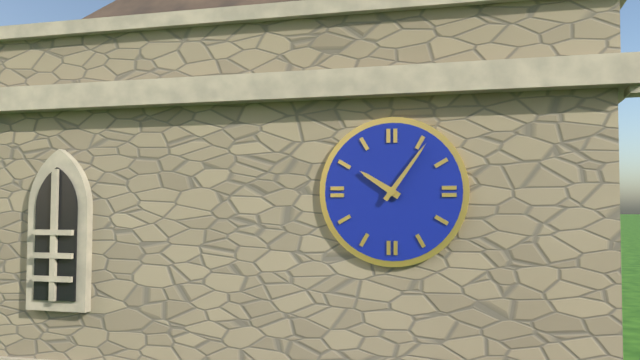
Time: 10h06
